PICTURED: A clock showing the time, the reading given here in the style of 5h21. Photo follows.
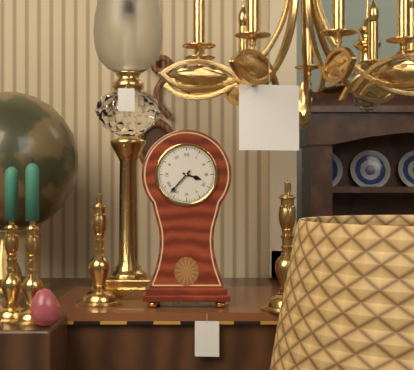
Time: 3h37
